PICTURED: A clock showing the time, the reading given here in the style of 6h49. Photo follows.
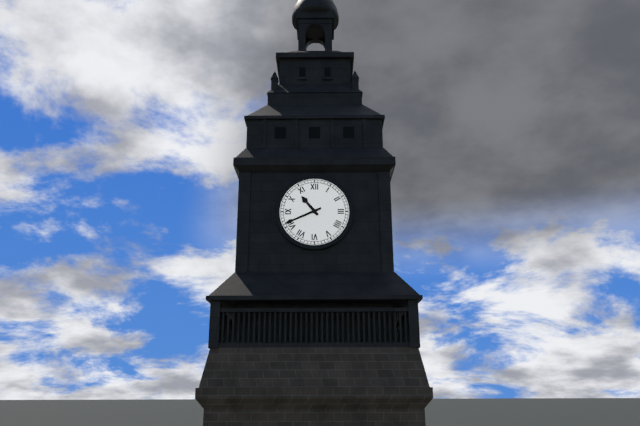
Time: 10h41
